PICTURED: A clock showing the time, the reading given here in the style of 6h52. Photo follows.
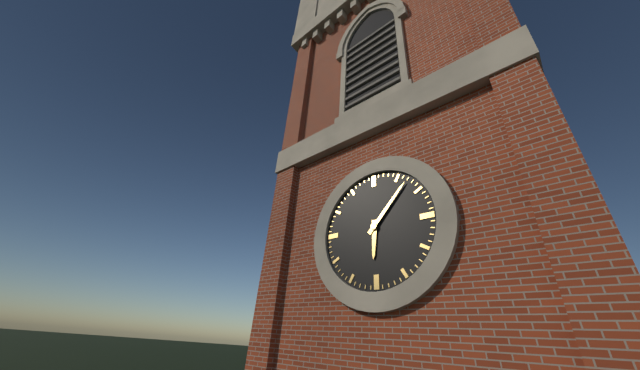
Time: 6h07
